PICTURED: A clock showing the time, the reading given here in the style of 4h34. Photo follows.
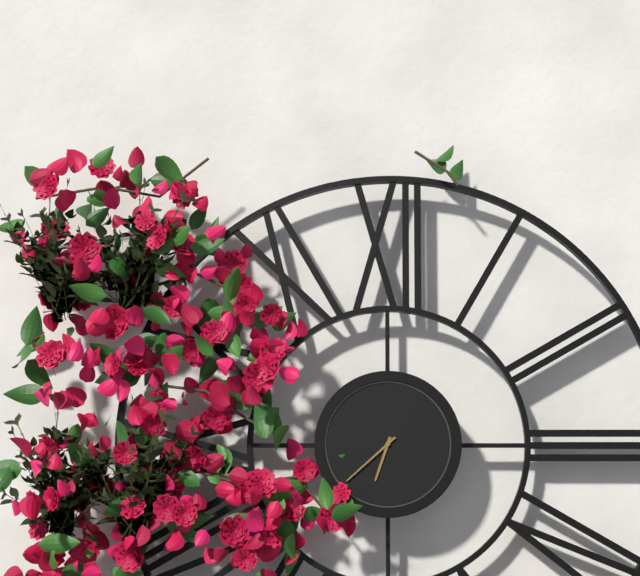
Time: 6h38
